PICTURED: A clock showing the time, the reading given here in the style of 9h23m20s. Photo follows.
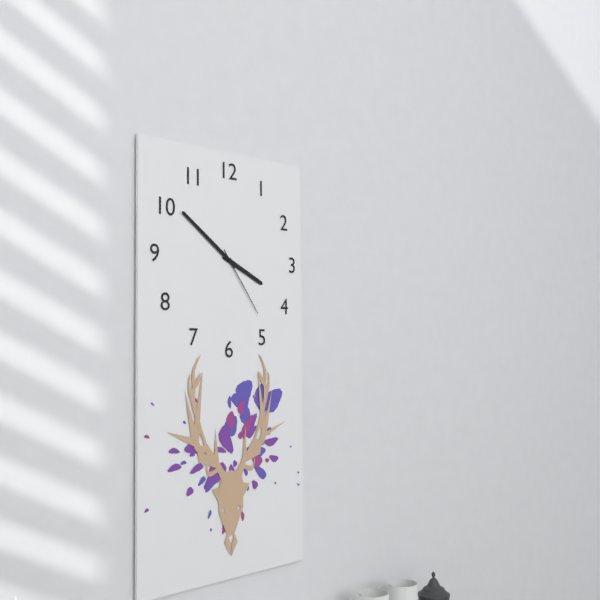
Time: 3h51m24s
